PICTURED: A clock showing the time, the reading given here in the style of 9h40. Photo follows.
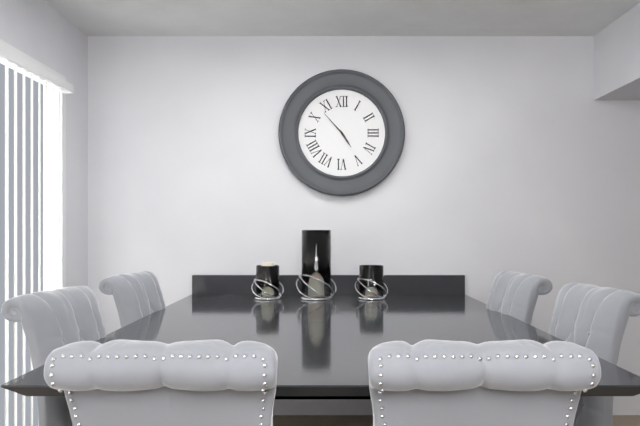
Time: 4h53
